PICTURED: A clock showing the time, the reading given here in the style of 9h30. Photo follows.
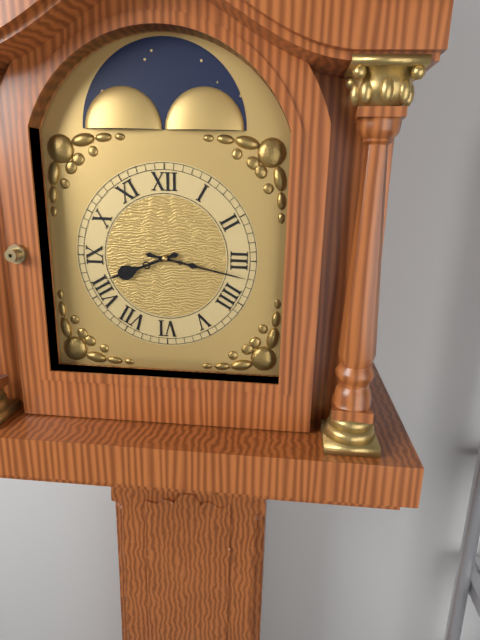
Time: 8h17
